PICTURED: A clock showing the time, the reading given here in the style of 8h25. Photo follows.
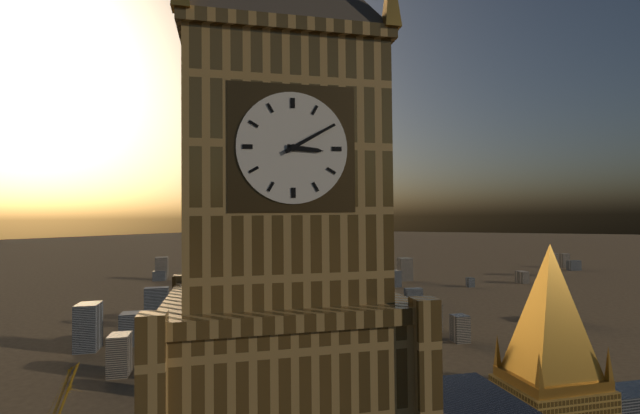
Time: 3h10
